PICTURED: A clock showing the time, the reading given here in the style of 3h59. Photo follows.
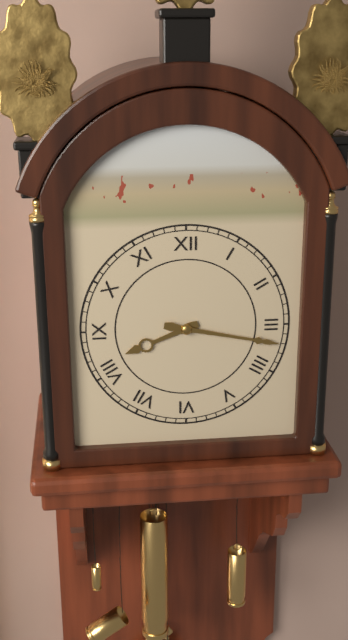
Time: 8h17
